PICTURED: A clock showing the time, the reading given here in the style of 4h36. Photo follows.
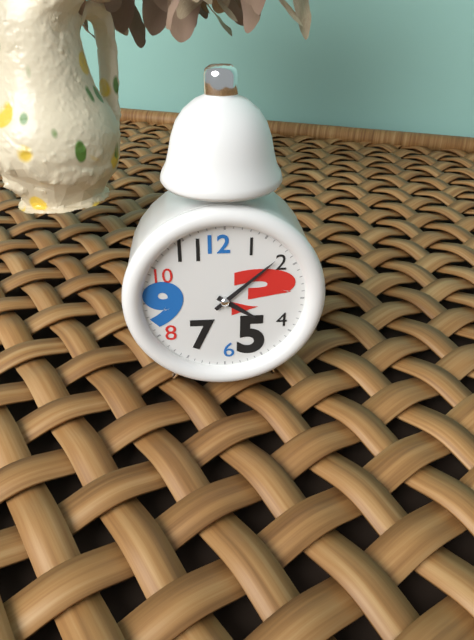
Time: 4h08
